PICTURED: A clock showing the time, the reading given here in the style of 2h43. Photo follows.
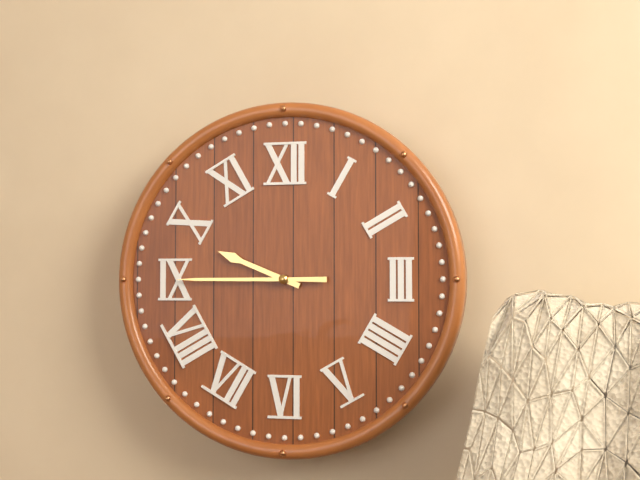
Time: 9h45
